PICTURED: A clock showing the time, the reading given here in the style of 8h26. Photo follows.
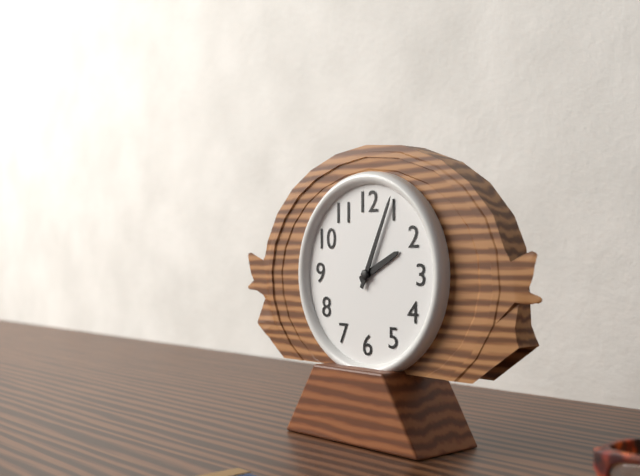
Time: 2h04
